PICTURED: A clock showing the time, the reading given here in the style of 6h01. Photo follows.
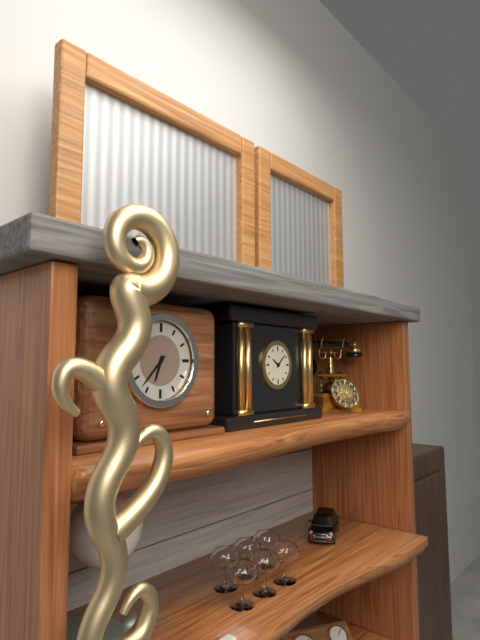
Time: 6h37
